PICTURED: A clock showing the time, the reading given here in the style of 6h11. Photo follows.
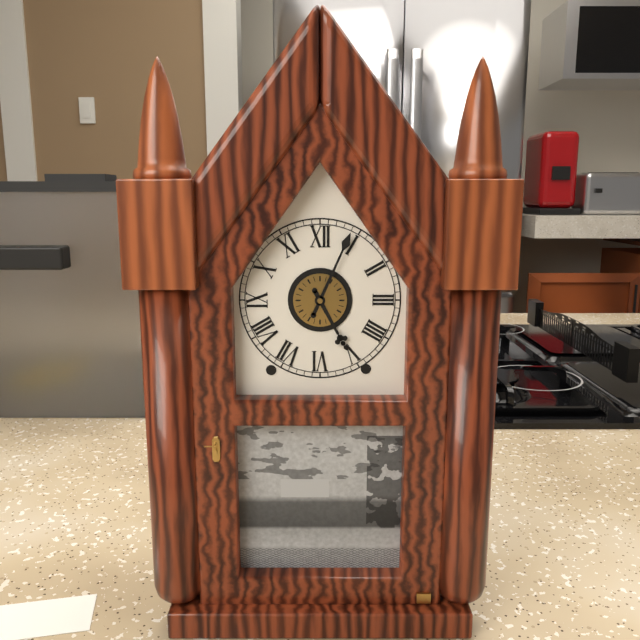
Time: 5h04
